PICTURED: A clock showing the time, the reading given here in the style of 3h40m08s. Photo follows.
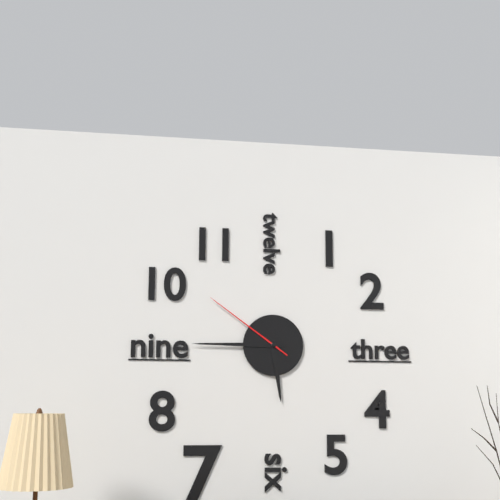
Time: 5h45m51s
